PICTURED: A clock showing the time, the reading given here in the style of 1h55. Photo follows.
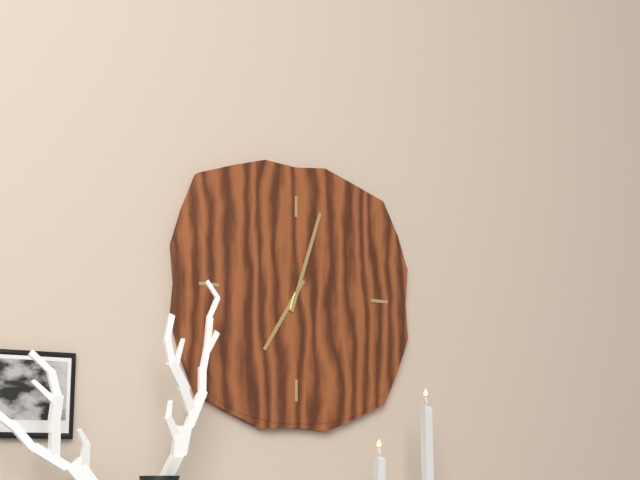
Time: 7h03
